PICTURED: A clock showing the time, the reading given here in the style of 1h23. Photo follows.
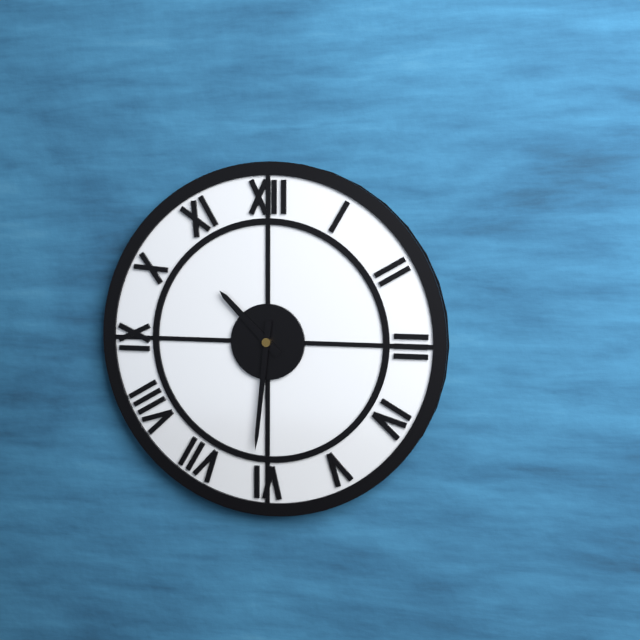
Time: 10h31
